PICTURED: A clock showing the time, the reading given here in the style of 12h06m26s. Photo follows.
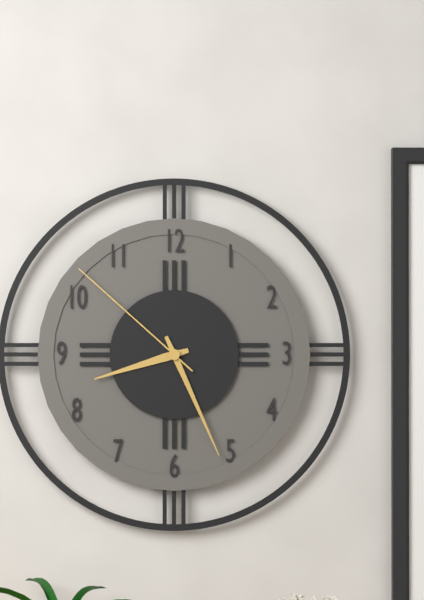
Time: 8h26m52s
